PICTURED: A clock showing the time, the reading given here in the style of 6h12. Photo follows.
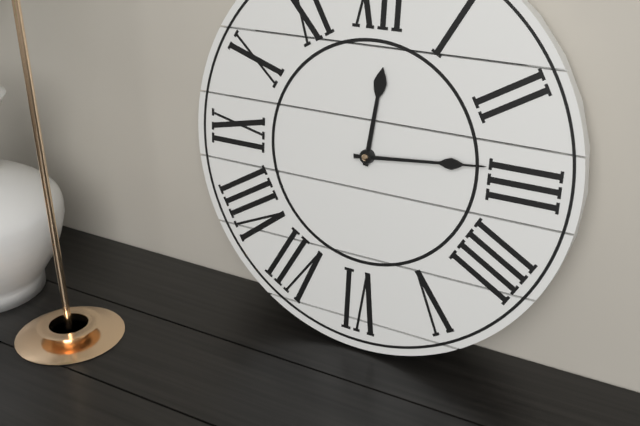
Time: 12h14
